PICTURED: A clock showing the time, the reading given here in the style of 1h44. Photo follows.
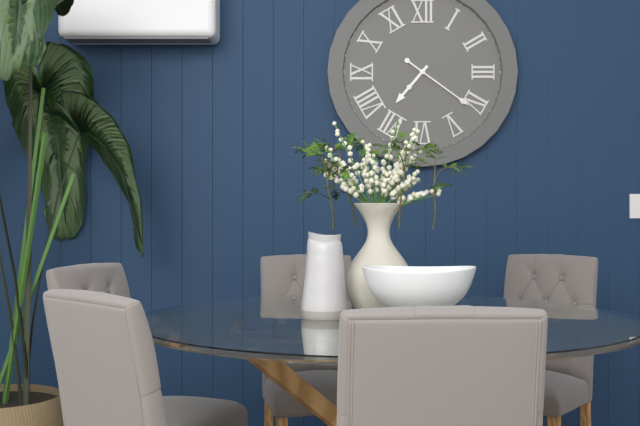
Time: 7h21
